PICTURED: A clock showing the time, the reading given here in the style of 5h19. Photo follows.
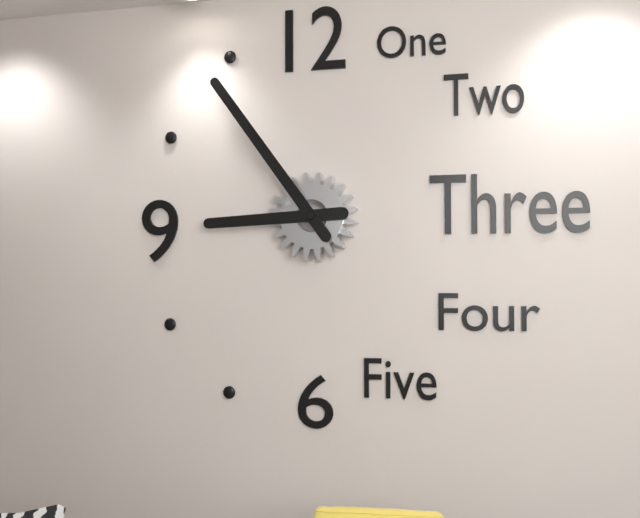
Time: 8h54
